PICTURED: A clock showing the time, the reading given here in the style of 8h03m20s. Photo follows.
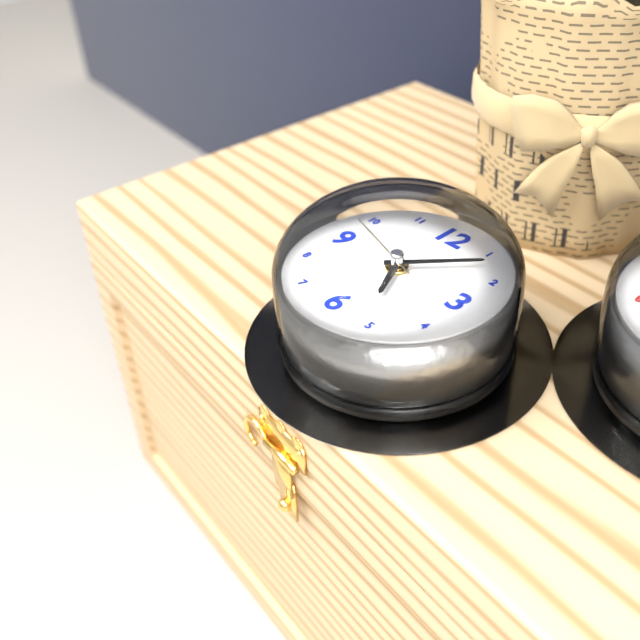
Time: 5h07m48s
